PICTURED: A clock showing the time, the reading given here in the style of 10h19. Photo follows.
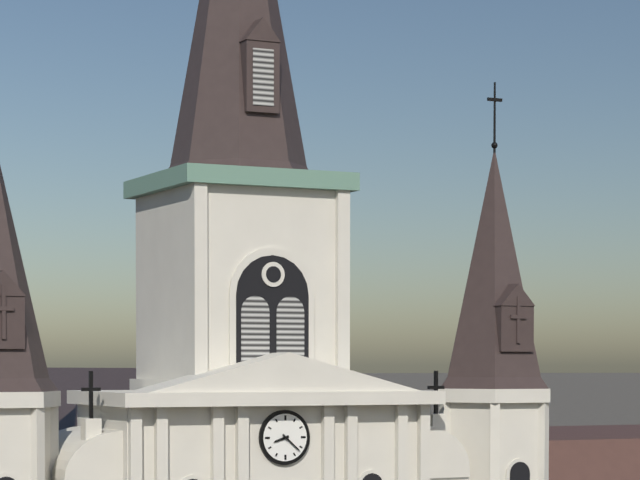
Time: 8h22
